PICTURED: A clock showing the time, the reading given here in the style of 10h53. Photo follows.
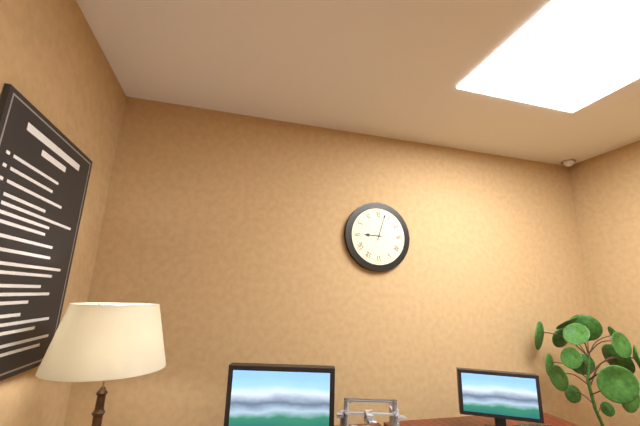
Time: 9h03
